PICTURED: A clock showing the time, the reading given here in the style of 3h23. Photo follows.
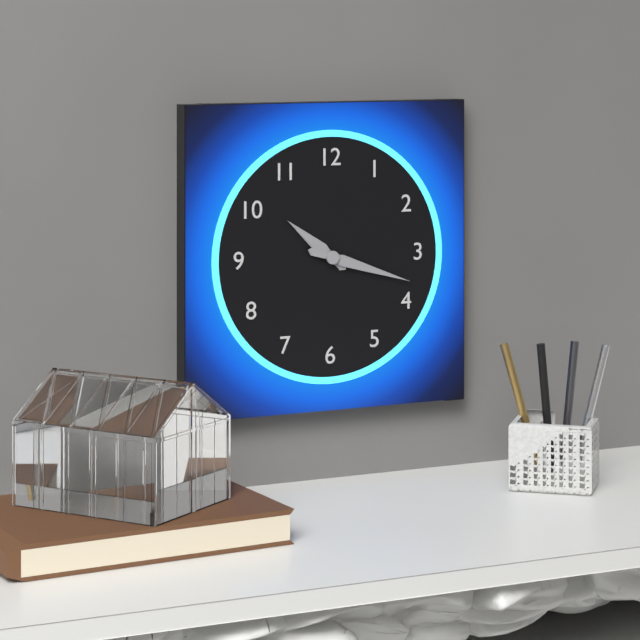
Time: 10h18
